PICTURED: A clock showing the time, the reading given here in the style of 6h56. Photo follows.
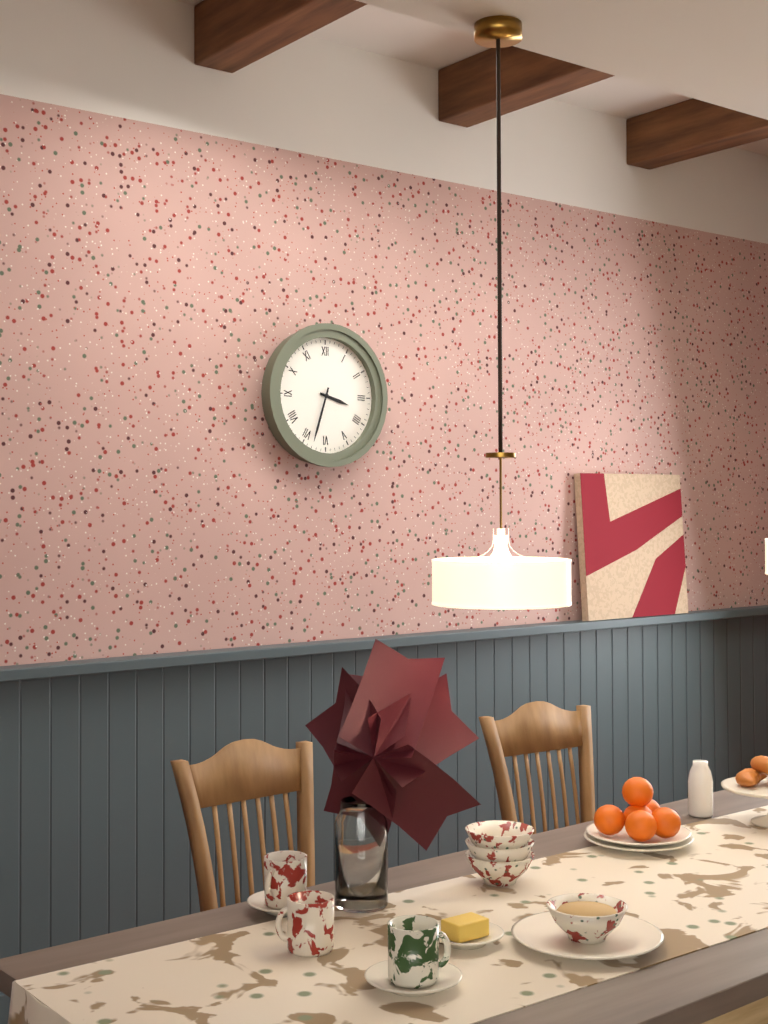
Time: 3h33
